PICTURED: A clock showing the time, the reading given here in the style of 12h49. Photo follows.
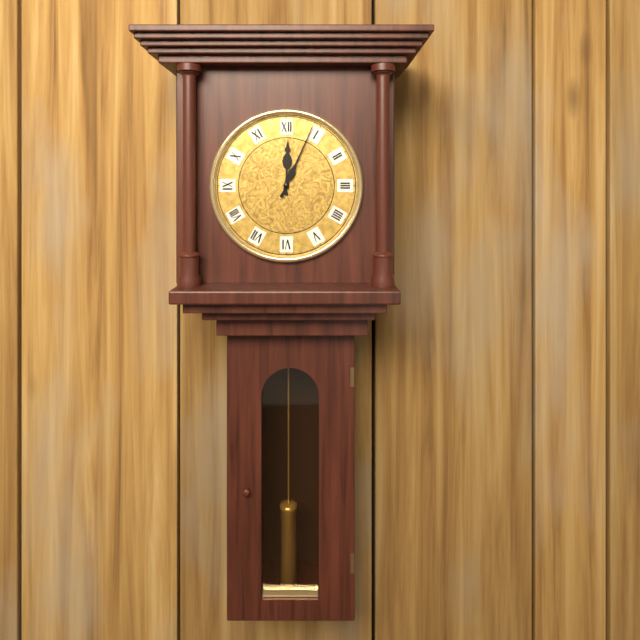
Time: 12h04
